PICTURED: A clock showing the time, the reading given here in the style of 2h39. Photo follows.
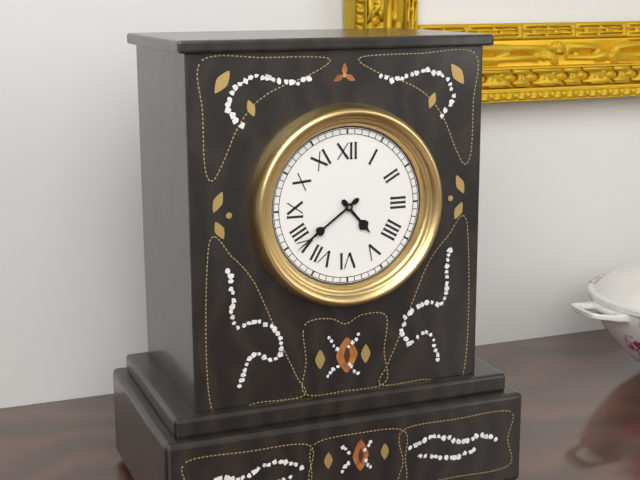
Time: 4h39
